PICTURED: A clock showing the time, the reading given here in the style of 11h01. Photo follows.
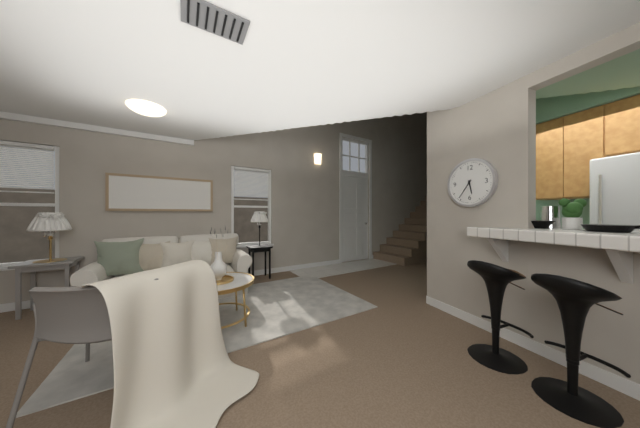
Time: 5h36
